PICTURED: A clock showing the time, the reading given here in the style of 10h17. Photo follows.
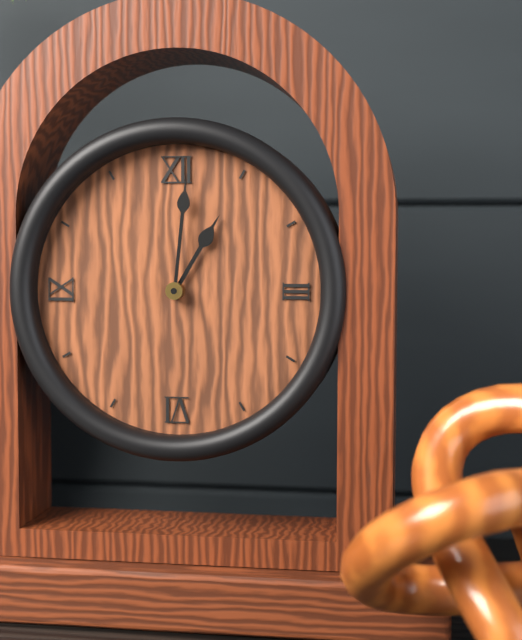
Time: 1h01
